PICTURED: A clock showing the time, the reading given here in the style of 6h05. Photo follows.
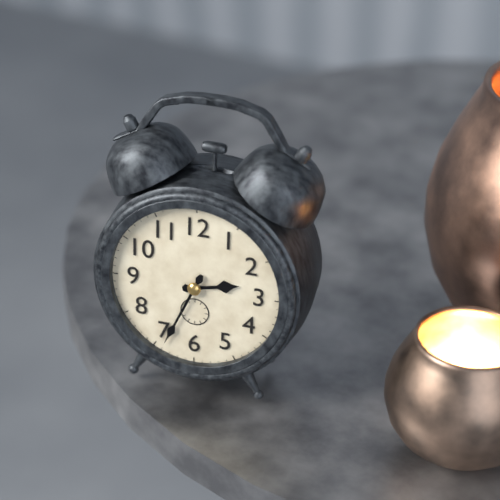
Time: 2h34
